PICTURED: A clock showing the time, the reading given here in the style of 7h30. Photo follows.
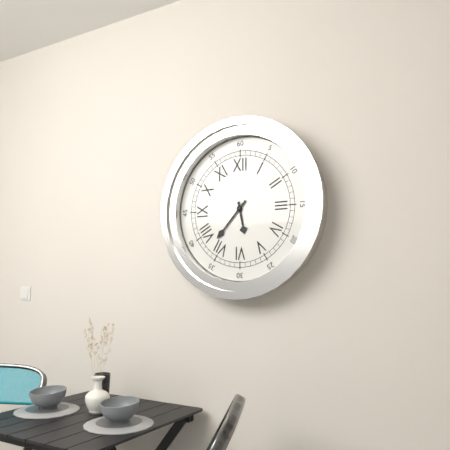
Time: 5h37
